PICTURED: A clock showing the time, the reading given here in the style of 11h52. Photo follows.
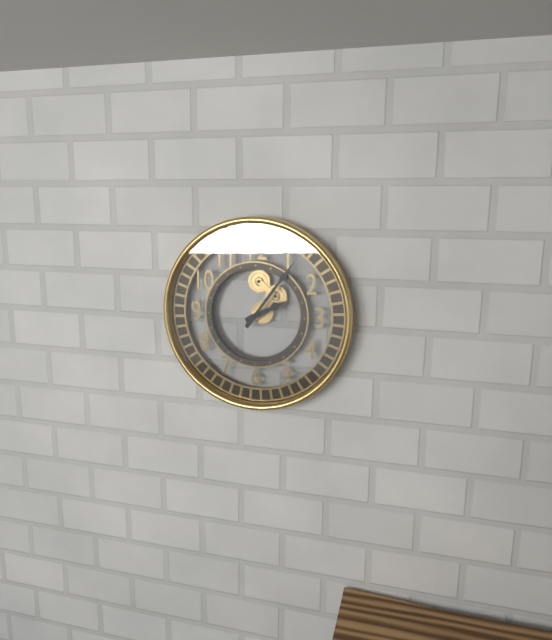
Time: 2h06
